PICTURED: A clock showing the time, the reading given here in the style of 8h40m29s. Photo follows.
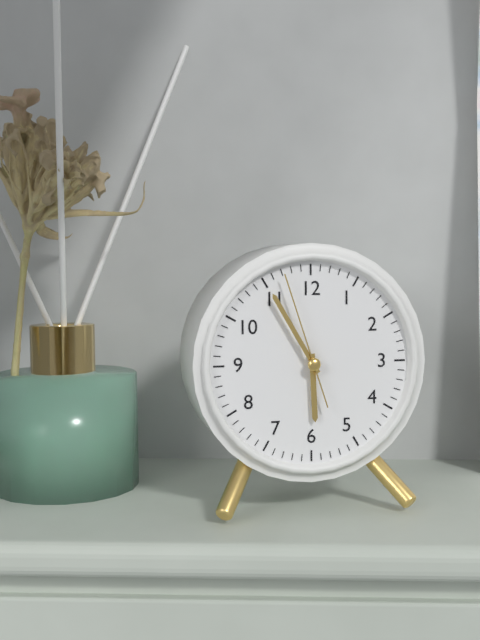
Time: 5h55m57s
